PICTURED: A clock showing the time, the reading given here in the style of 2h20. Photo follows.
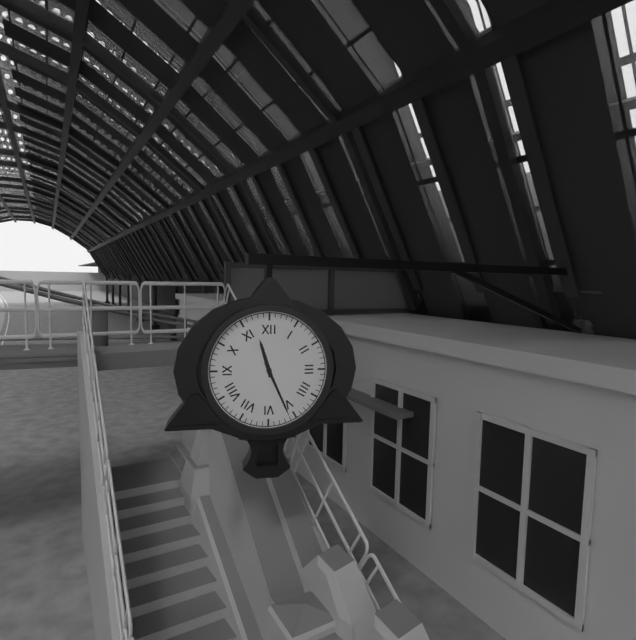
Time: 11h26
